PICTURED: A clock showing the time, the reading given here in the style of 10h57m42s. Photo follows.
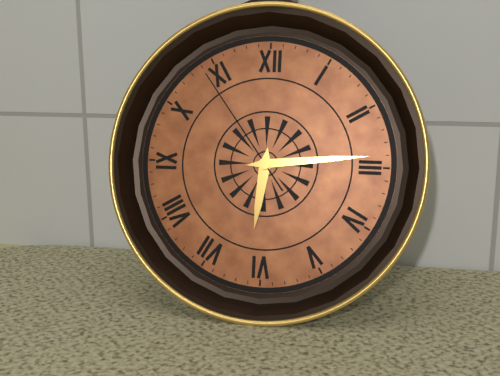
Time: 6h14m54s
